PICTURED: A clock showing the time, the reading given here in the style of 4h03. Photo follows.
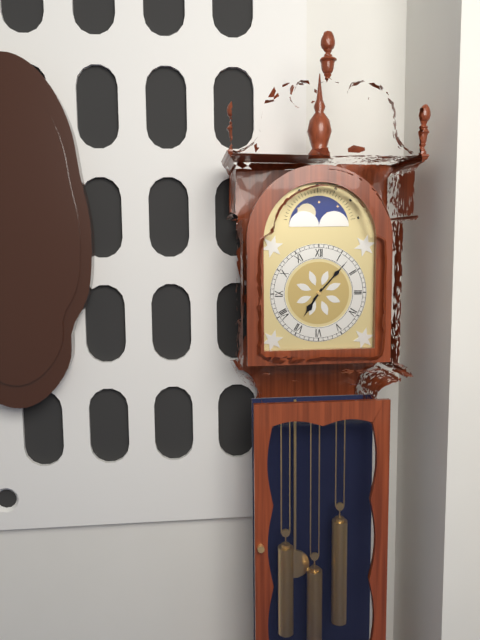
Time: 7h07
